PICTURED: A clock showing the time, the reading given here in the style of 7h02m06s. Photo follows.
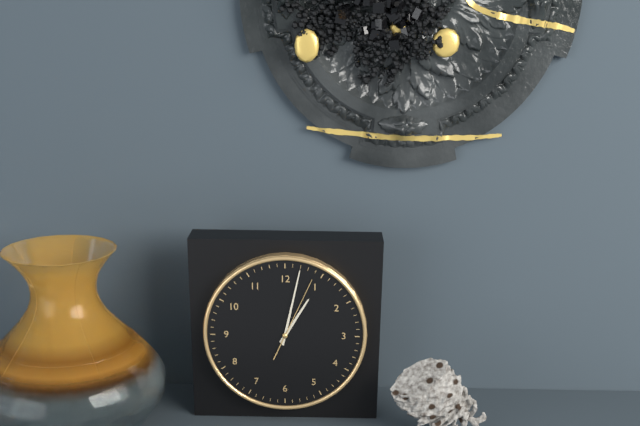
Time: 1h02m04s
